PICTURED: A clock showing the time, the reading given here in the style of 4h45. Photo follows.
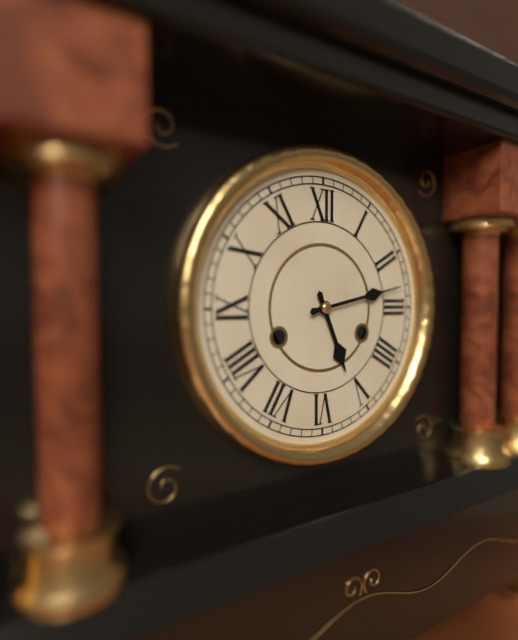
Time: 5h13
